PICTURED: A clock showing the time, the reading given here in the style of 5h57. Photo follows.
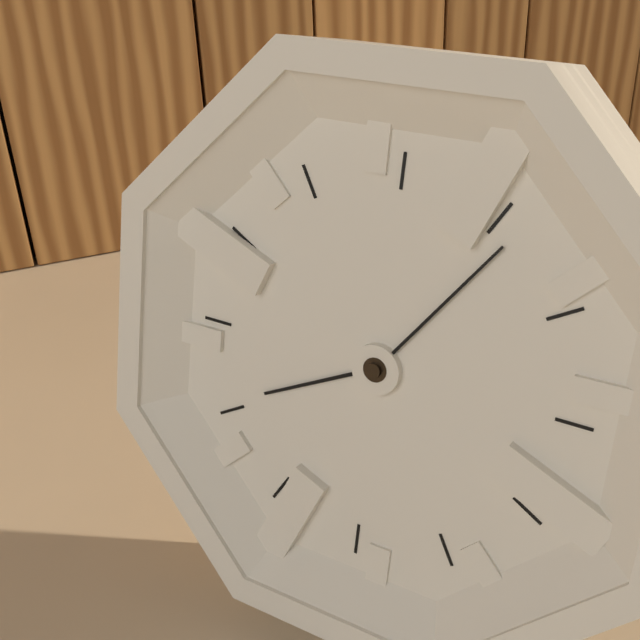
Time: 8h06
